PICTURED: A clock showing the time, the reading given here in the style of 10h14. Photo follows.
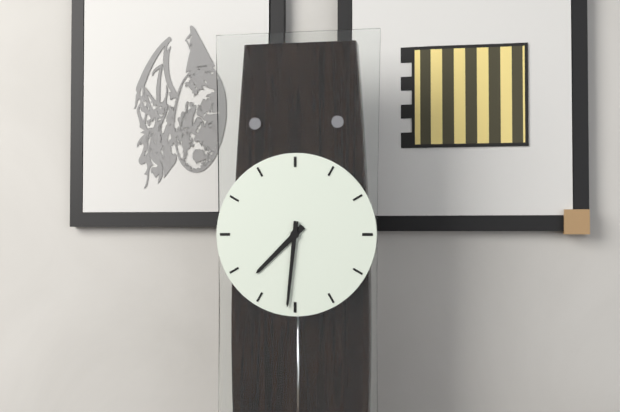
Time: 7h31
